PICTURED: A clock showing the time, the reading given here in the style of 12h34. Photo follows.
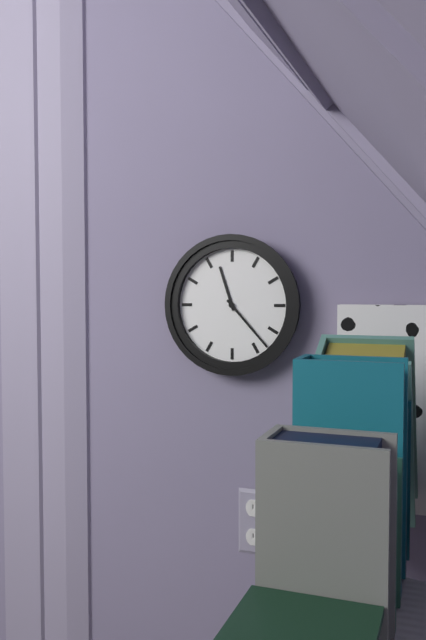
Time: 11h23
